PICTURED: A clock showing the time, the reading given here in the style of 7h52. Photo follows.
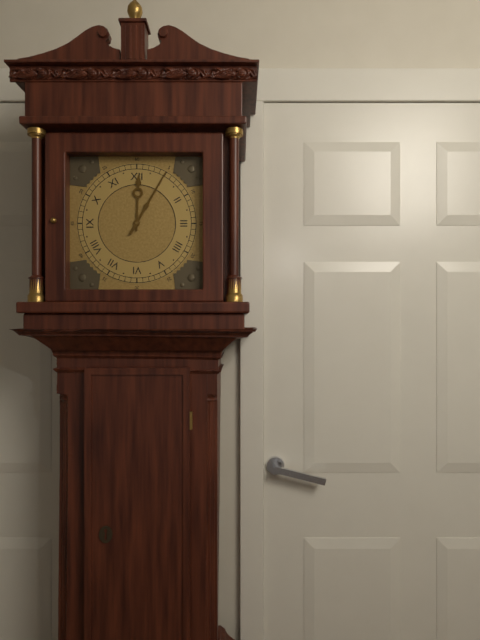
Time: 12h05
